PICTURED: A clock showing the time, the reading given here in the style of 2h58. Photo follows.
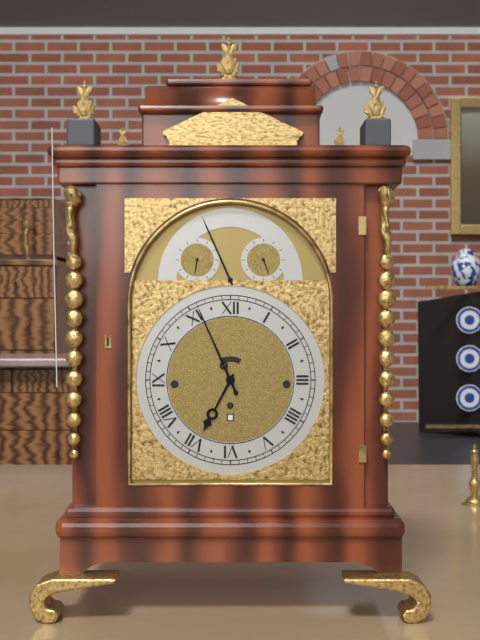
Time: 6h56
